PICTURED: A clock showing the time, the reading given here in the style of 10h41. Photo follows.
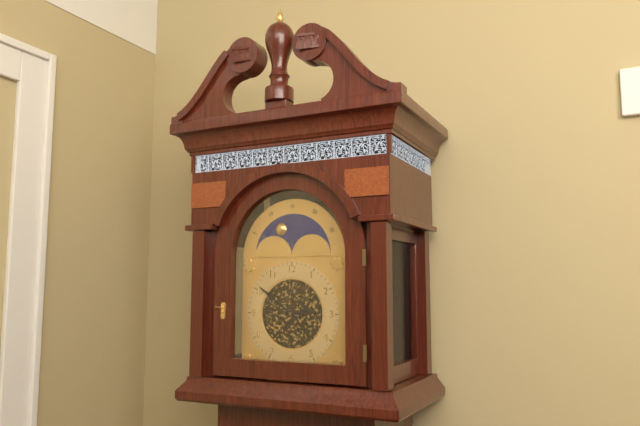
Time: 2h51
